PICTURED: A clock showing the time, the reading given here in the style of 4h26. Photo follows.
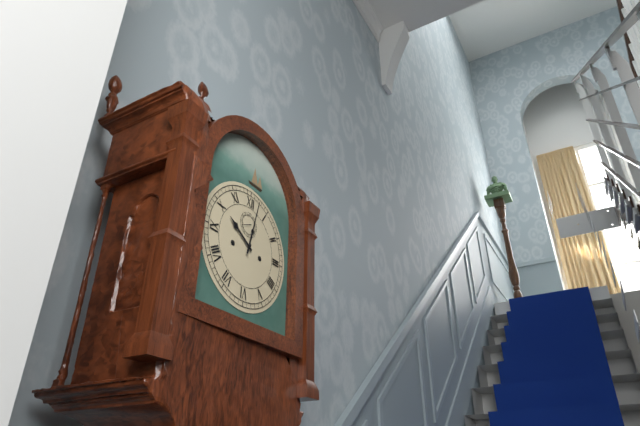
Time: 10h02
